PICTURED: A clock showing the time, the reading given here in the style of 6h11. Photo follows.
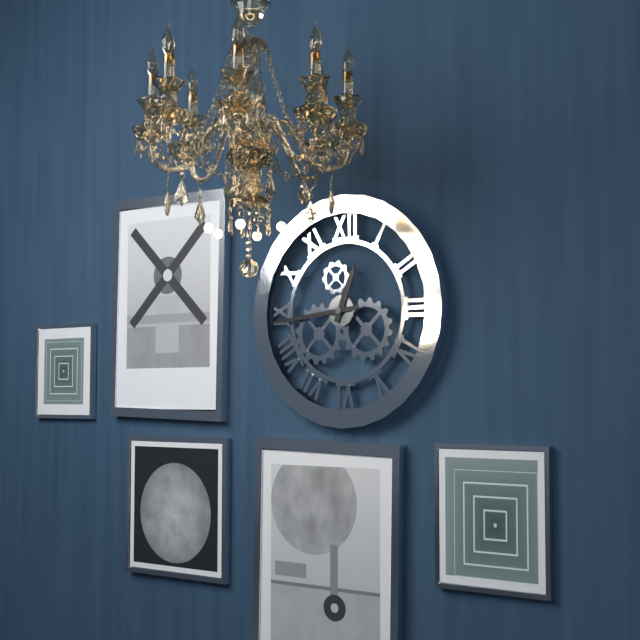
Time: 12h44
